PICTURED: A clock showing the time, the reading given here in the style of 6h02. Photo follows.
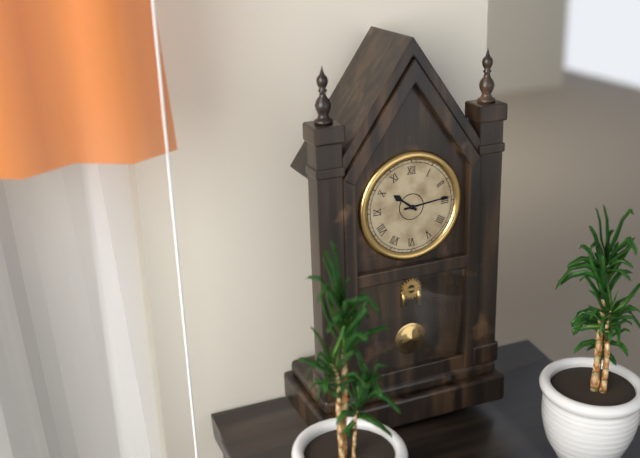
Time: 10h14
